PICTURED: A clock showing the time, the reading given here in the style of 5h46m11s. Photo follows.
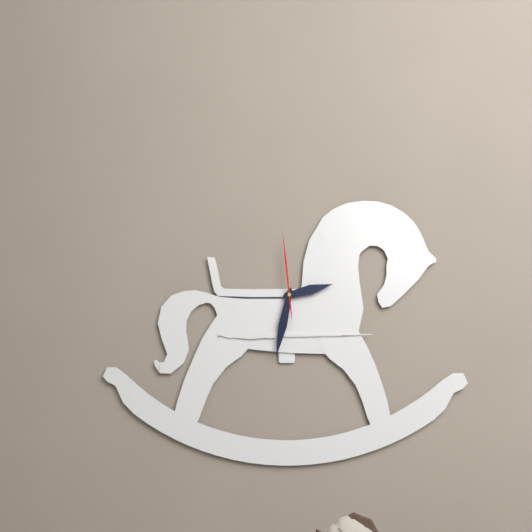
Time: 2h32m59s
